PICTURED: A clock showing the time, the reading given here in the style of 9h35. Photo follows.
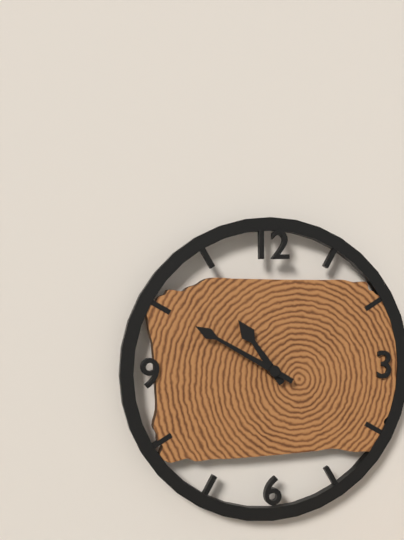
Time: 10h50
